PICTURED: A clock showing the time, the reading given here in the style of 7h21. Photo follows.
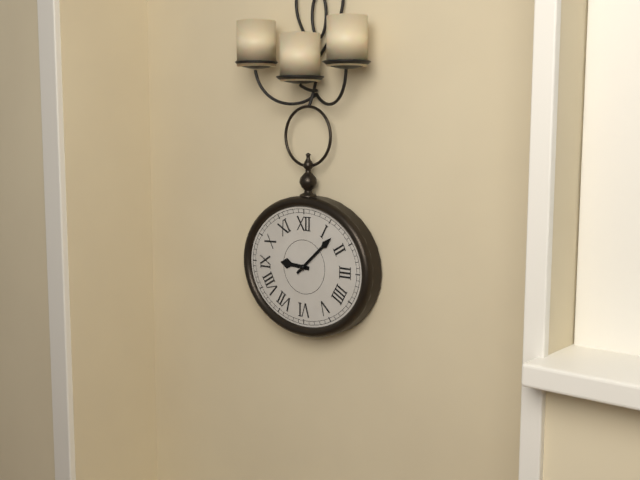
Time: 9h08
